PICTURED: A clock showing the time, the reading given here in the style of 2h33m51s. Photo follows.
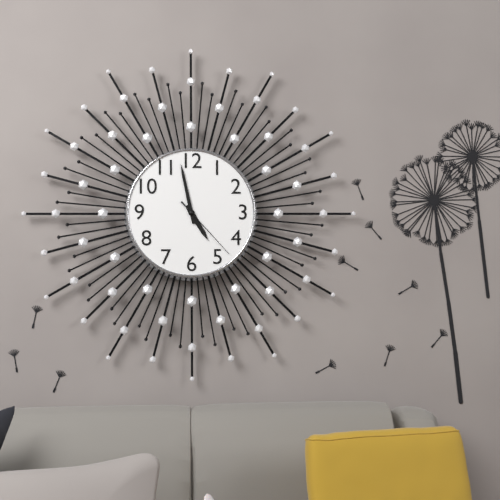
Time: 4h58m23s
